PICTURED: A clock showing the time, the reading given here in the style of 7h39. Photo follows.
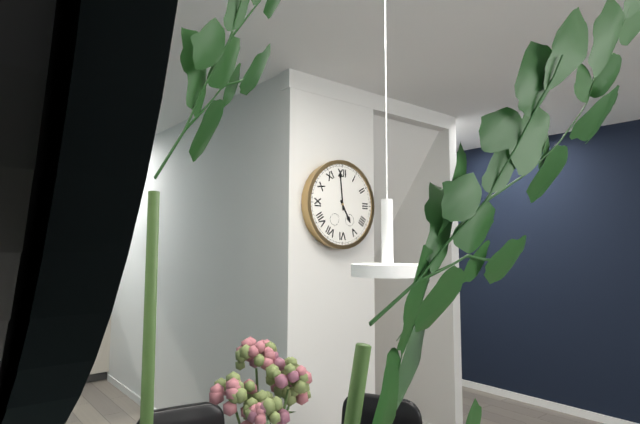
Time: 4h59
